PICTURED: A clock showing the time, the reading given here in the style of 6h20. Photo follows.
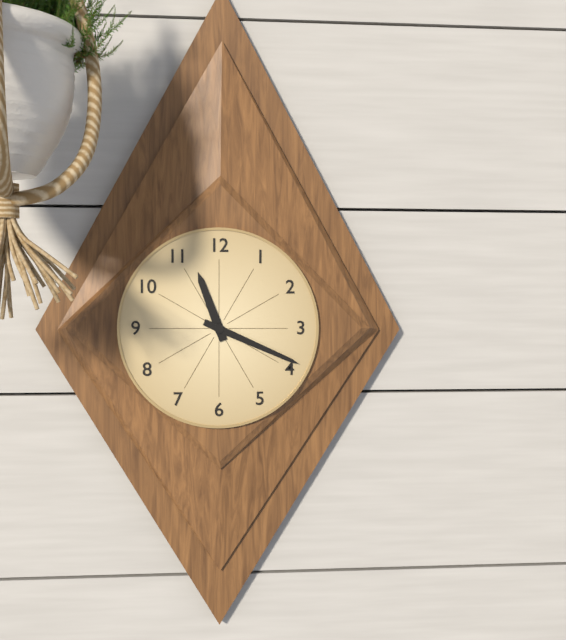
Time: 11h19
